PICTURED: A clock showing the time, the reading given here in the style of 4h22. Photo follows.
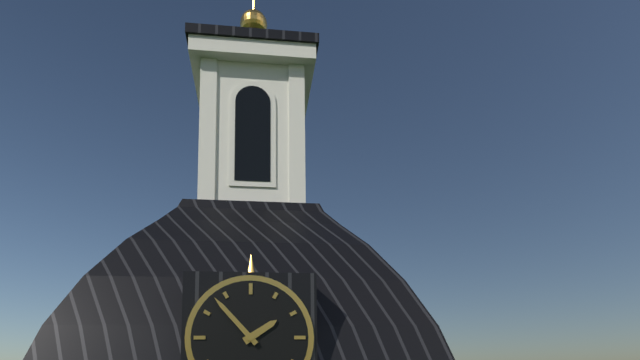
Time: 1h53
